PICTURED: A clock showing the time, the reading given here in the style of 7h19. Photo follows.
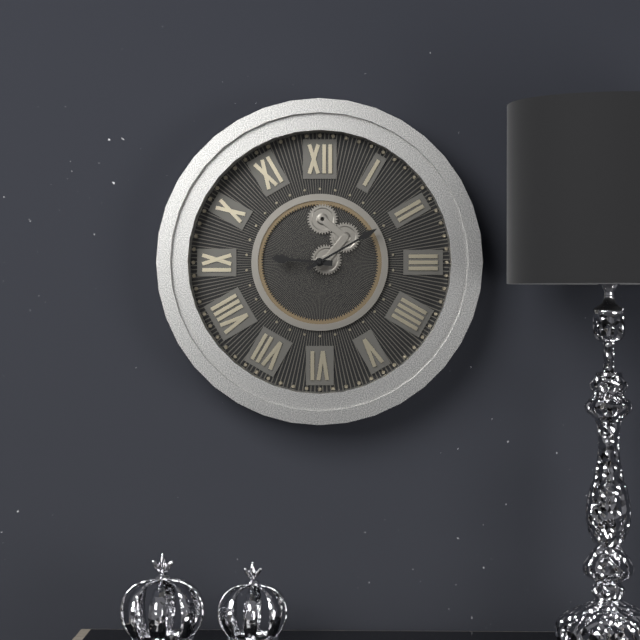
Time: 9h10
